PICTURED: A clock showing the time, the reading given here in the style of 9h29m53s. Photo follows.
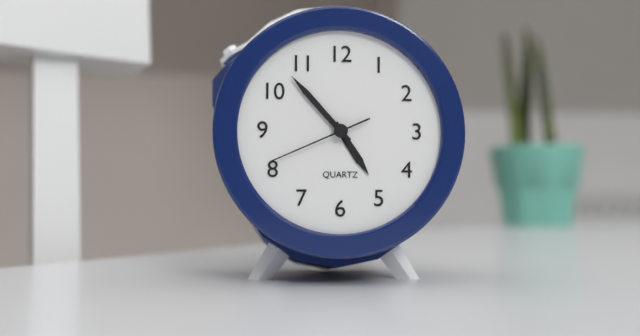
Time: 4h53m41s
